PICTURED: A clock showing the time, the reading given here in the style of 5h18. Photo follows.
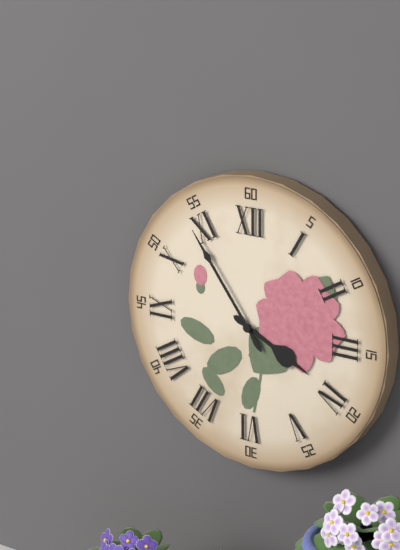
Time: 3h54
